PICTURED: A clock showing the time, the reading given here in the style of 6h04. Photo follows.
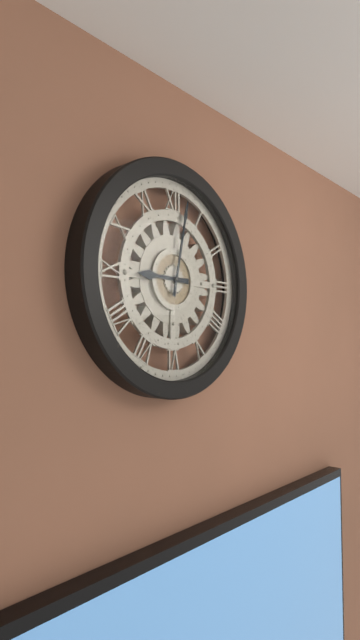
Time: 9h02
